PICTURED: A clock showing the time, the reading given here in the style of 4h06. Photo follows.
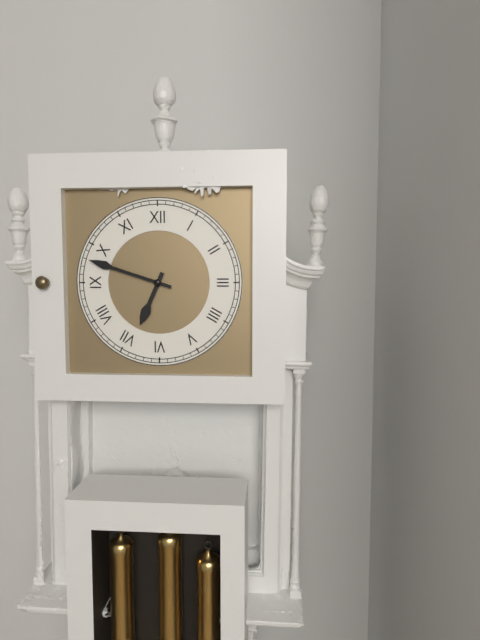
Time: 6h48
